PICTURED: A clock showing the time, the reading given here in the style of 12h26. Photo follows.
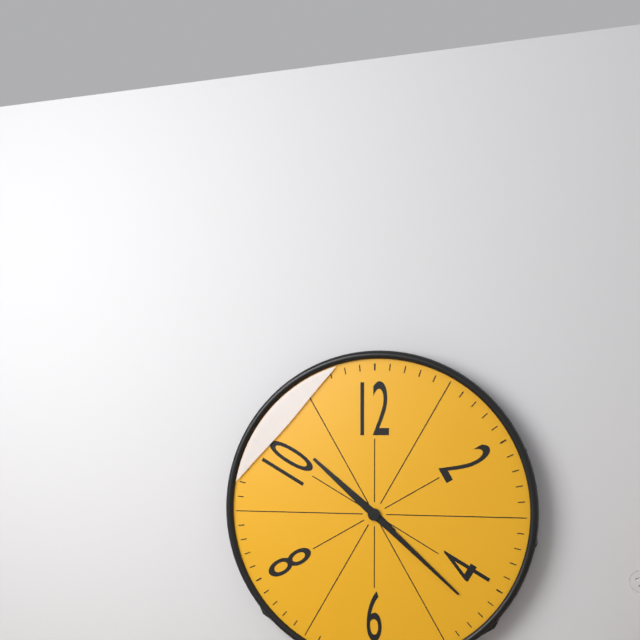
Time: 10h22
